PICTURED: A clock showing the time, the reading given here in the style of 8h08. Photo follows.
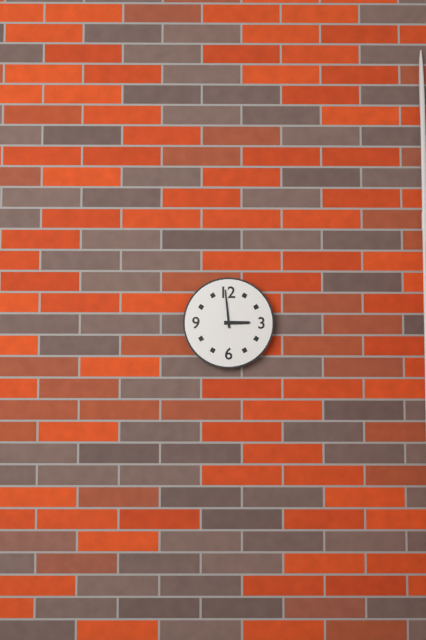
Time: 2h59
